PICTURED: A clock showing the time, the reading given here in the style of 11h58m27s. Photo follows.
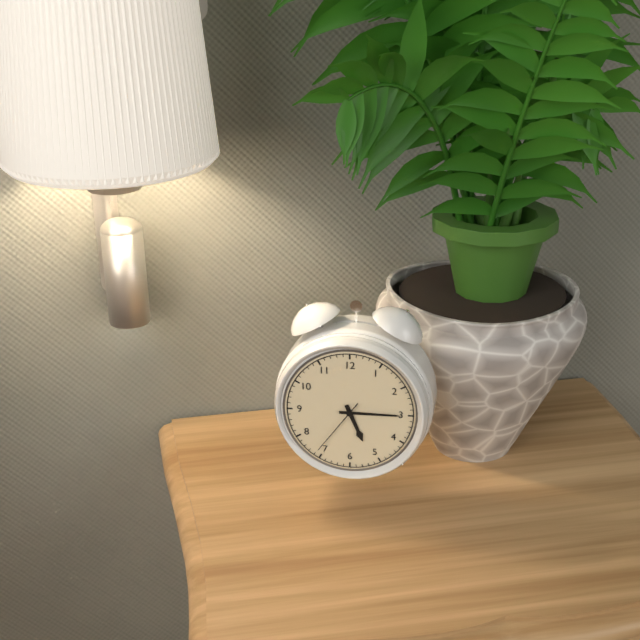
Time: 5h15m36s
